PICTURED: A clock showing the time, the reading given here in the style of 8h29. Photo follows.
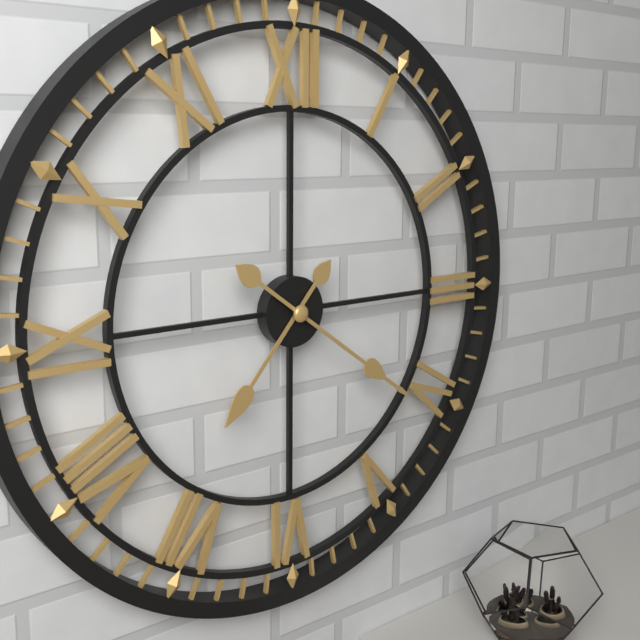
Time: 7h21
